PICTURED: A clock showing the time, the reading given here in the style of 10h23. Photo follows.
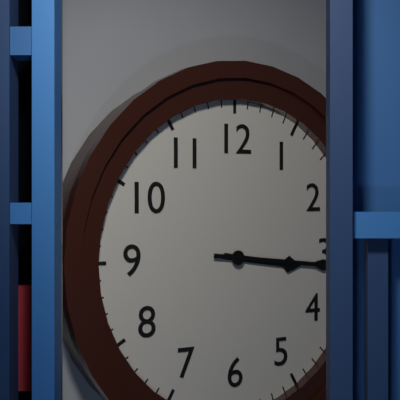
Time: 3h16
